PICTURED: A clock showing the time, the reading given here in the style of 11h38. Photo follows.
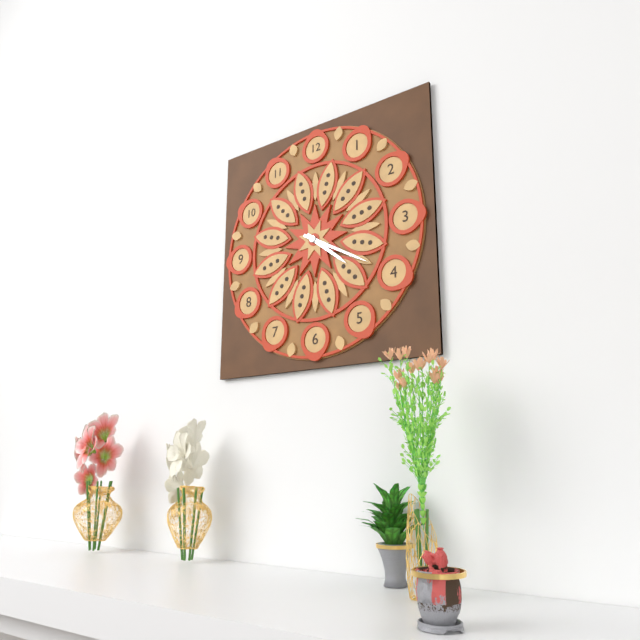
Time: 4h20
